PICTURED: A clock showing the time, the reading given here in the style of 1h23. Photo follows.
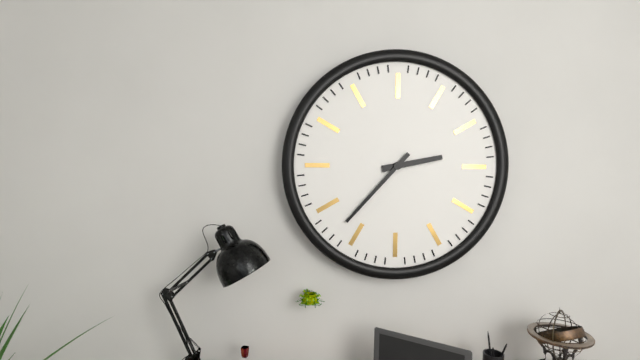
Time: 2h37
